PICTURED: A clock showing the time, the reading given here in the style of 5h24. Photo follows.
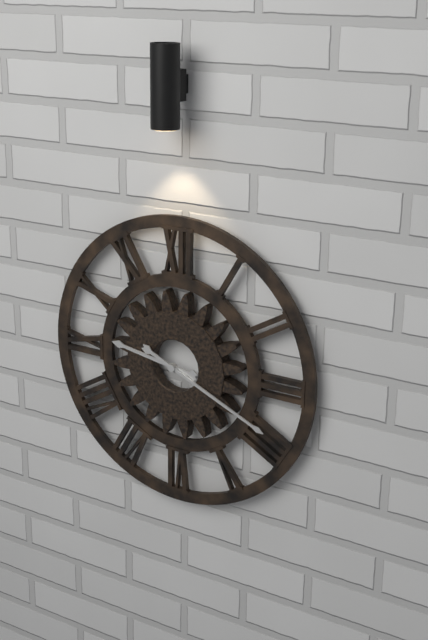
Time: 9h19
